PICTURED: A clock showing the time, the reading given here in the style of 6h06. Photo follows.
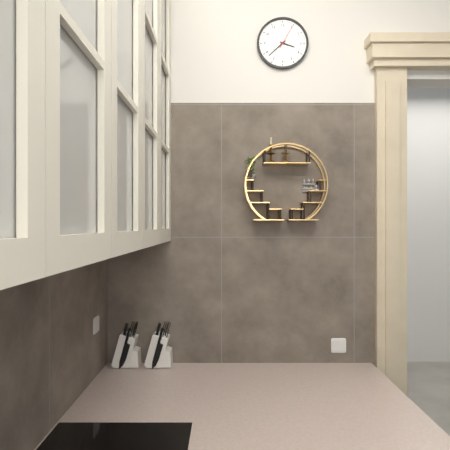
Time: 3h38
